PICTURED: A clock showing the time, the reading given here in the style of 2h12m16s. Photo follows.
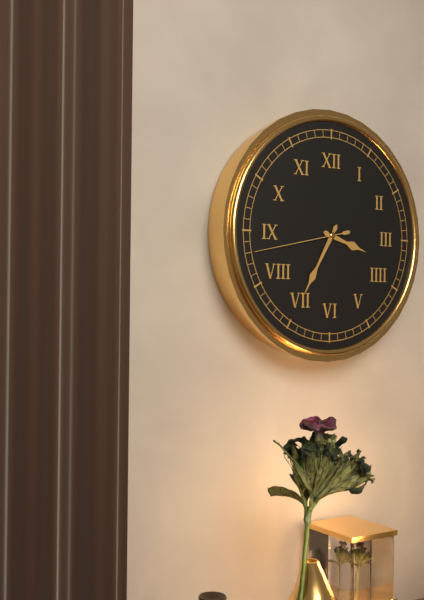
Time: 3h35m43s
